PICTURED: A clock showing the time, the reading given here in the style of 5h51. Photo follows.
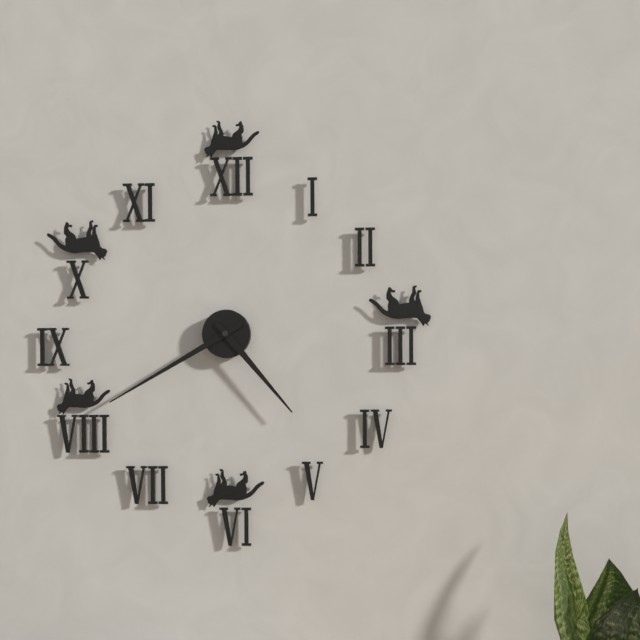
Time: 4h40
